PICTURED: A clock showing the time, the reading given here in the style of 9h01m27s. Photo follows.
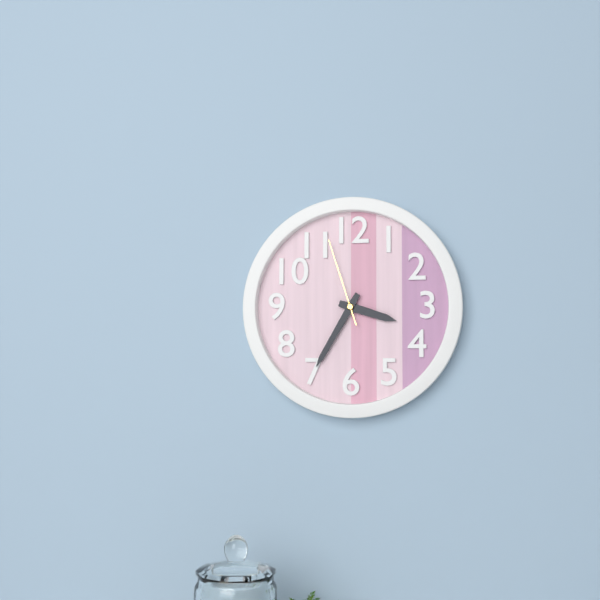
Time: 3h35m57s
